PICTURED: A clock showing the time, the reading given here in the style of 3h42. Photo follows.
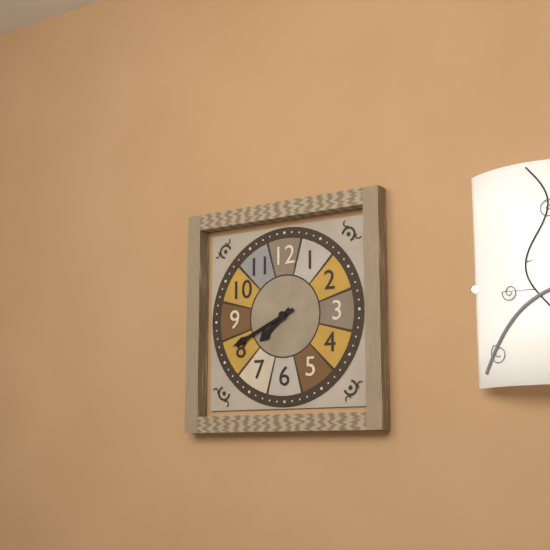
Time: 7h41
